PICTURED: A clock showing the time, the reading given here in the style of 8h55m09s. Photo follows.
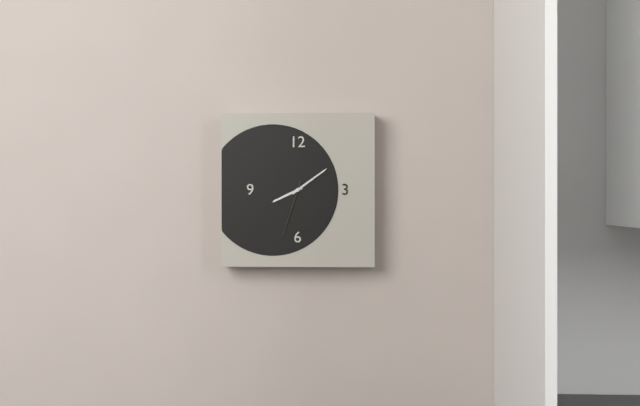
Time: 8h09m33s
